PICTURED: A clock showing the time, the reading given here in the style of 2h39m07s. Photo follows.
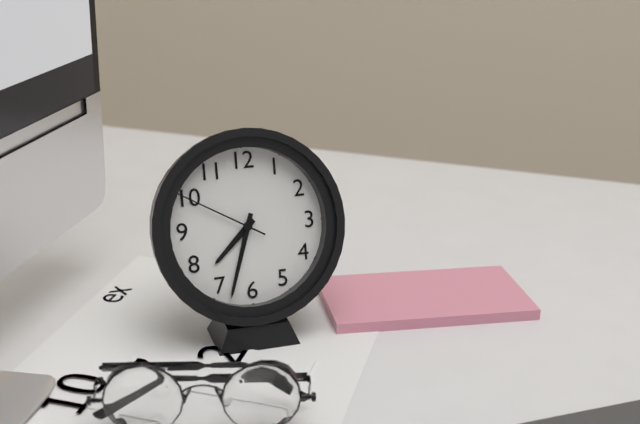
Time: 7h33m50s
